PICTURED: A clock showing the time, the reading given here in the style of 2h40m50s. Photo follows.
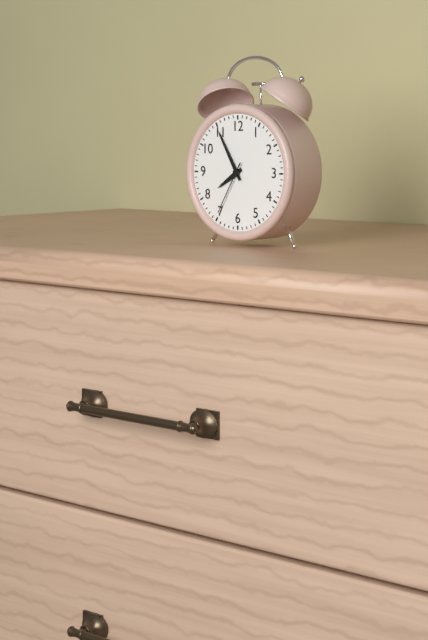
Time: 7h55m35s
